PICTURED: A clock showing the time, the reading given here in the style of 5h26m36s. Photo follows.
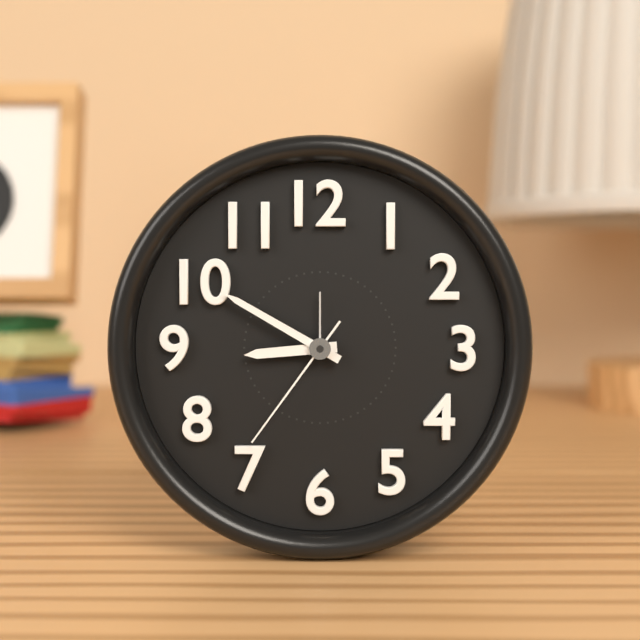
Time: 8h50m36s
